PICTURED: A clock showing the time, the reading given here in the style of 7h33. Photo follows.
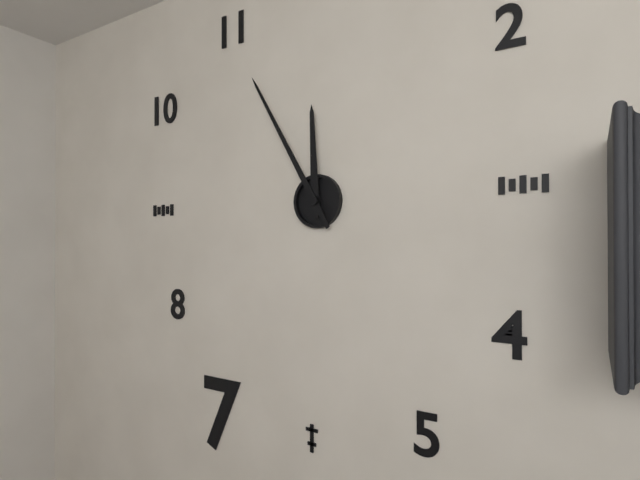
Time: 11h55
